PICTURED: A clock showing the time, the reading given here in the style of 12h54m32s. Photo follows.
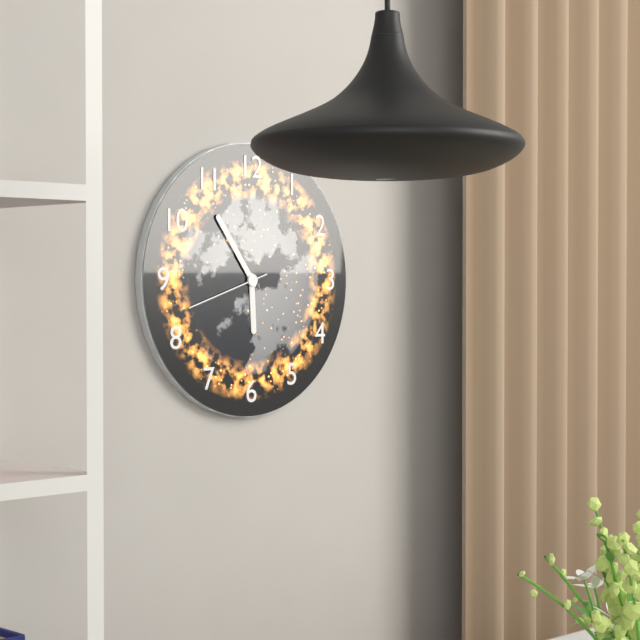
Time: 5h54m42s
